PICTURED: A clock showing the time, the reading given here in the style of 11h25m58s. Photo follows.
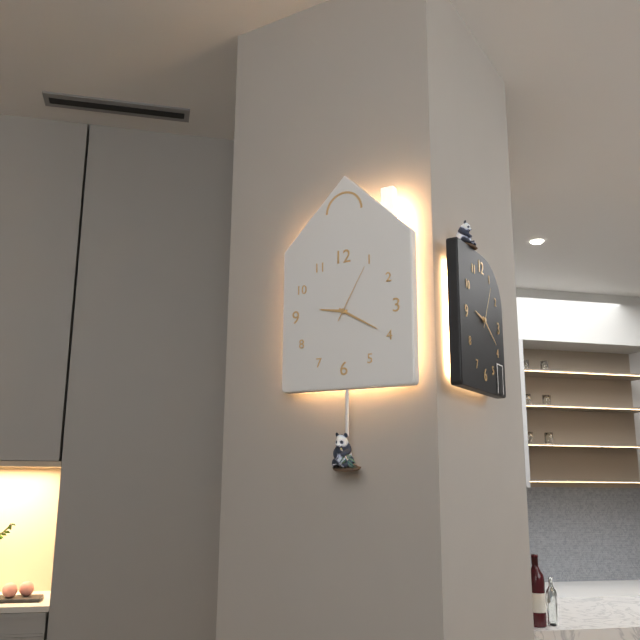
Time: 9h20m05s
